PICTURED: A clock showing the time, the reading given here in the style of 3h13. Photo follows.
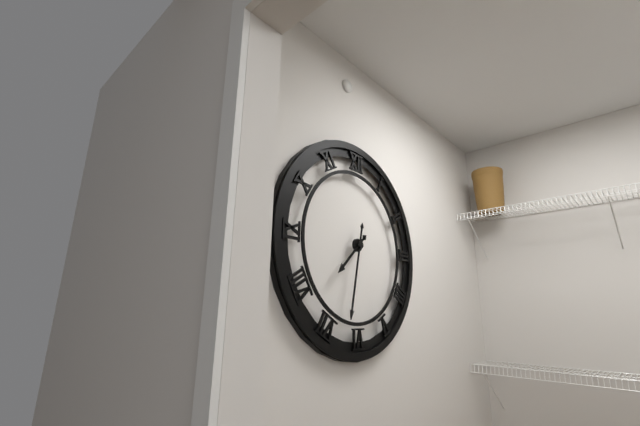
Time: 7h32
